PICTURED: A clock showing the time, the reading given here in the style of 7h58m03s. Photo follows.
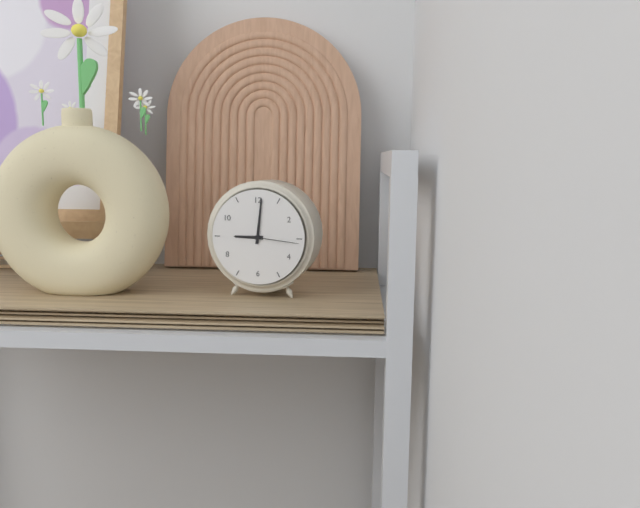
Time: 9h01m16s
